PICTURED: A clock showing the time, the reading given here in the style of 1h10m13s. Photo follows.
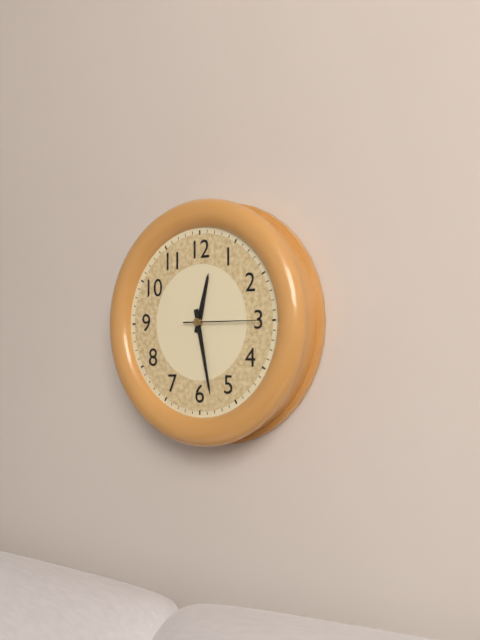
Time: 12h28m15s
